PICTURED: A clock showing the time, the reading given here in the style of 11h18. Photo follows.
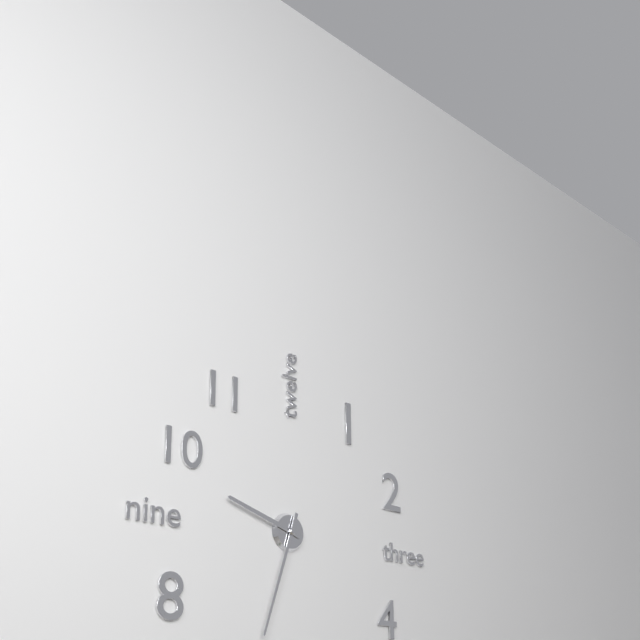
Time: 9h33
